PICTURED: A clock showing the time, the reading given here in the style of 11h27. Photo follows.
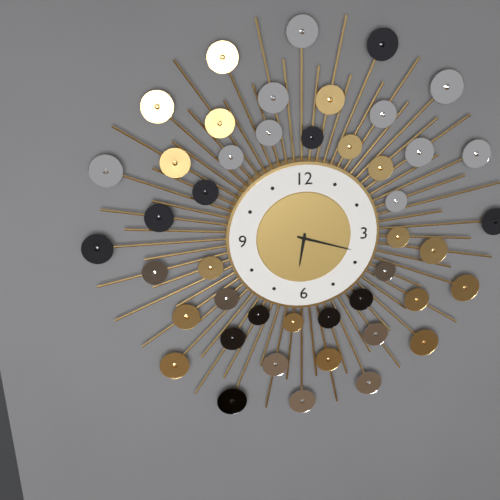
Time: 6h18
